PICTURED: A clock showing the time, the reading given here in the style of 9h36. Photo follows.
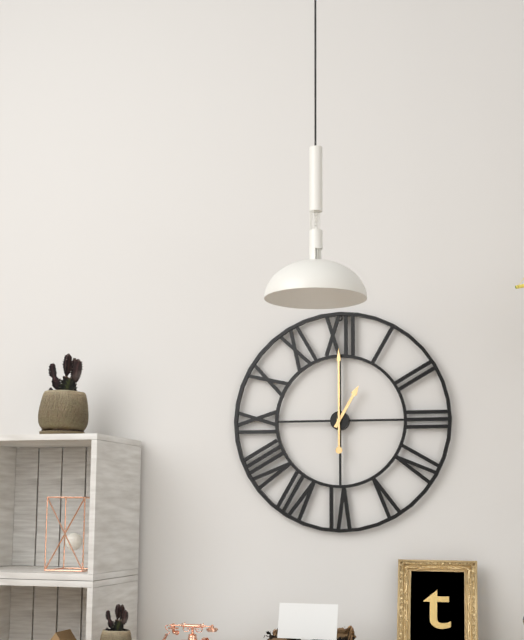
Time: 1h00
